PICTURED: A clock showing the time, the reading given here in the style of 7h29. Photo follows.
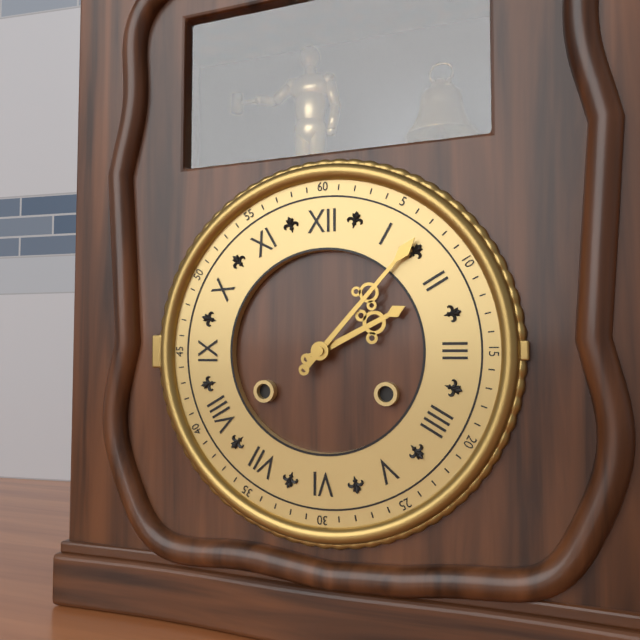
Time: 2h07
